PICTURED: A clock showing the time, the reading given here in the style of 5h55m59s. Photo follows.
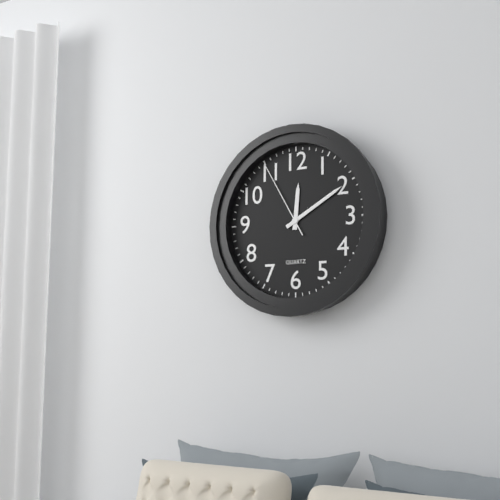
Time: 12h10m55s
